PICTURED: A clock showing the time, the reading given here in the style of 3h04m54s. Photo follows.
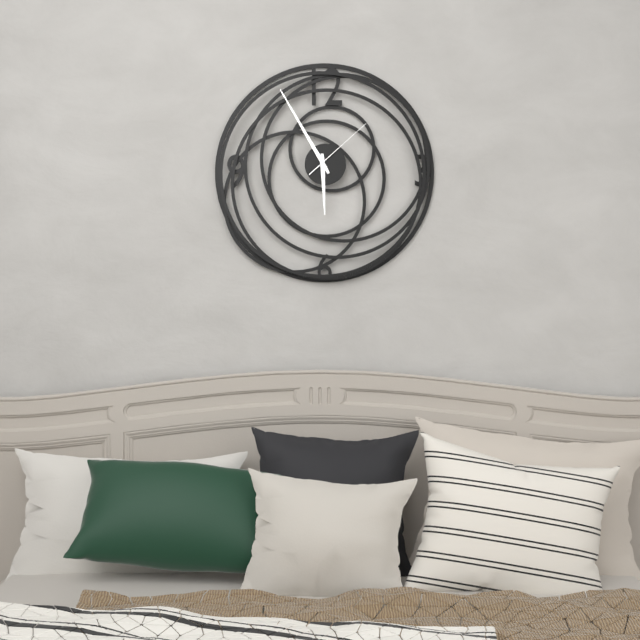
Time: 5h55m08s
